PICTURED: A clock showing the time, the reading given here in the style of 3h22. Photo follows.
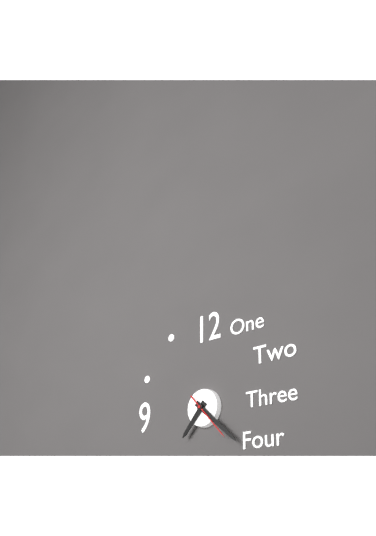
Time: 7h22
